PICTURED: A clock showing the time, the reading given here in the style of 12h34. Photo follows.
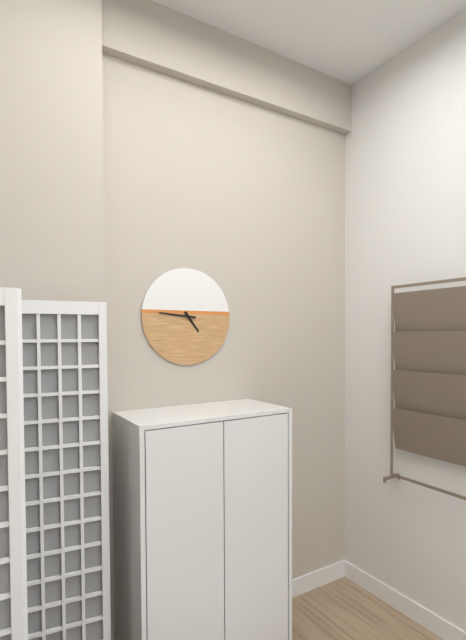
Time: 4h46
